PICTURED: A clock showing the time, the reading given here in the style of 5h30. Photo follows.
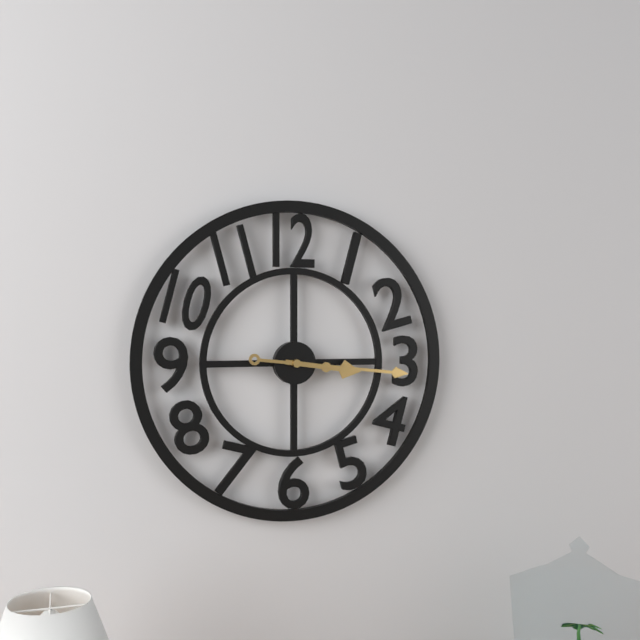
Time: 3h16
